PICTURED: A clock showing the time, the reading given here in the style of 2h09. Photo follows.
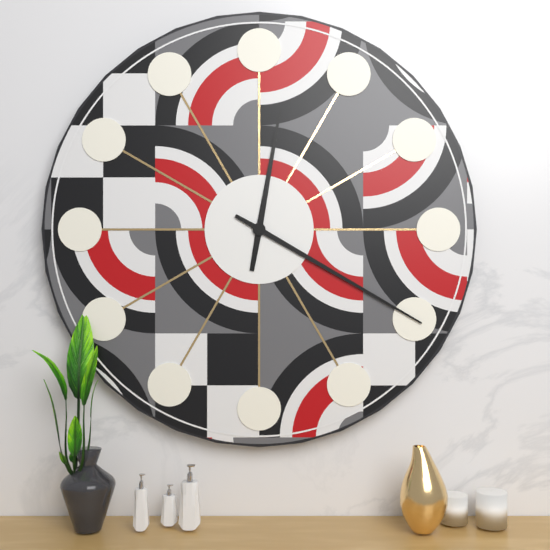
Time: 12h20
